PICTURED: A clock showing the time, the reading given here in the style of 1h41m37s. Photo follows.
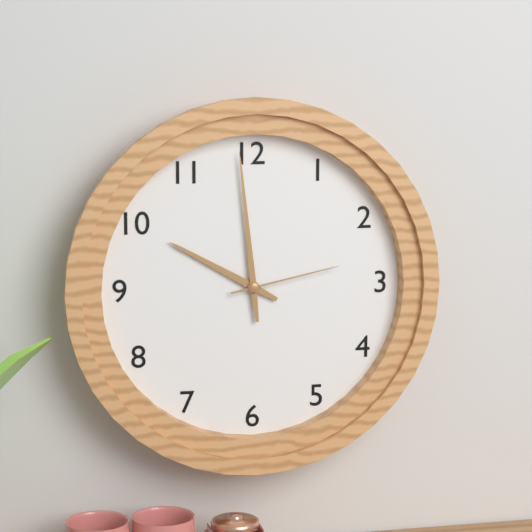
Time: 9h59m13s
